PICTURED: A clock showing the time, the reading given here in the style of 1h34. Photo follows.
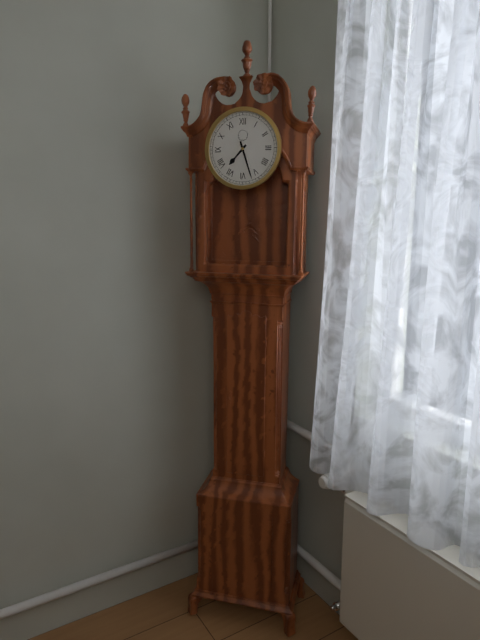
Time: 7h27
